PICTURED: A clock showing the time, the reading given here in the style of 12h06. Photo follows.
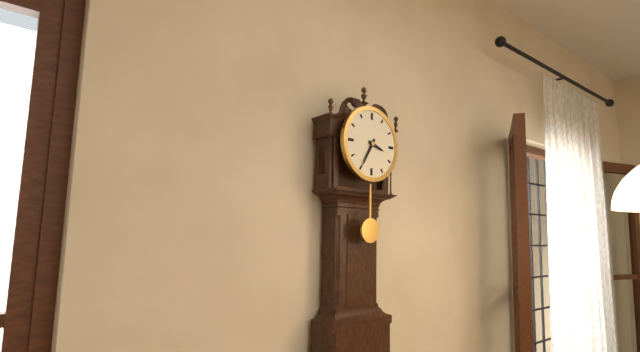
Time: 3h35
